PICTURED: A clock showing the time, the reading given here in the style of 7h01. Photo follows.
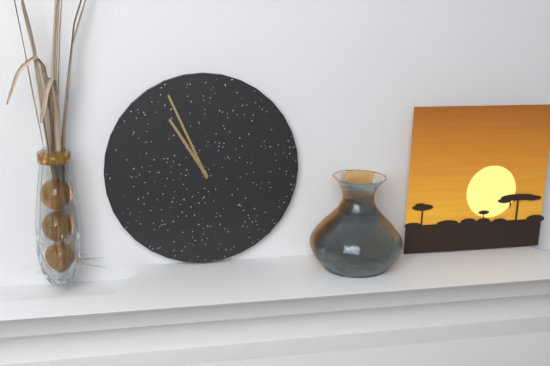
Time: 10h56
